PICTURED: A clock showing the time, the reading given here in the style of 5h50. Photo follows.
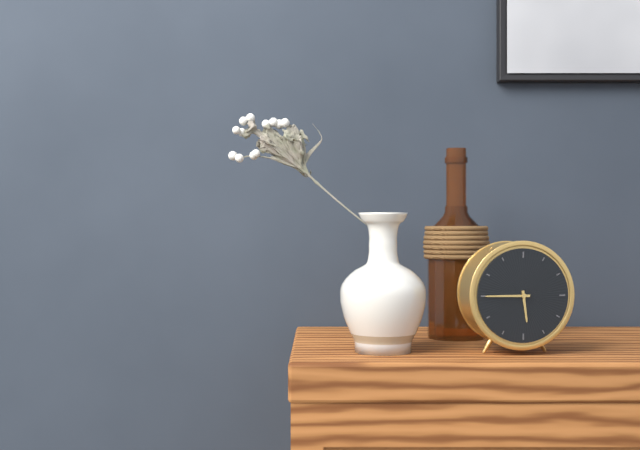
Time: 5h45
